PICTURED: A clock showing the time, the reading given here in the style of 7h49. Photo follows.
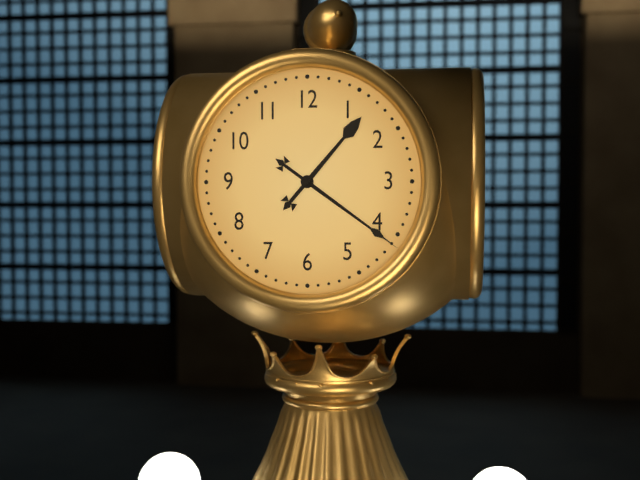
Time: 1h21
